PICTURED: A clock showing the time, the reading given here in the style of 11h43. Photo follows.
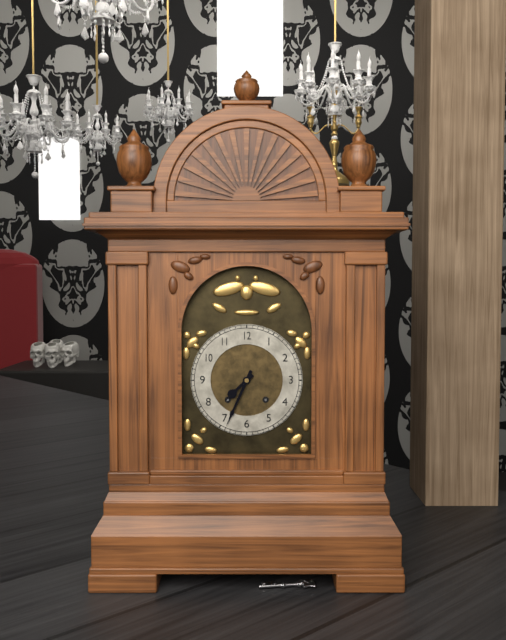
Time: 7h34
